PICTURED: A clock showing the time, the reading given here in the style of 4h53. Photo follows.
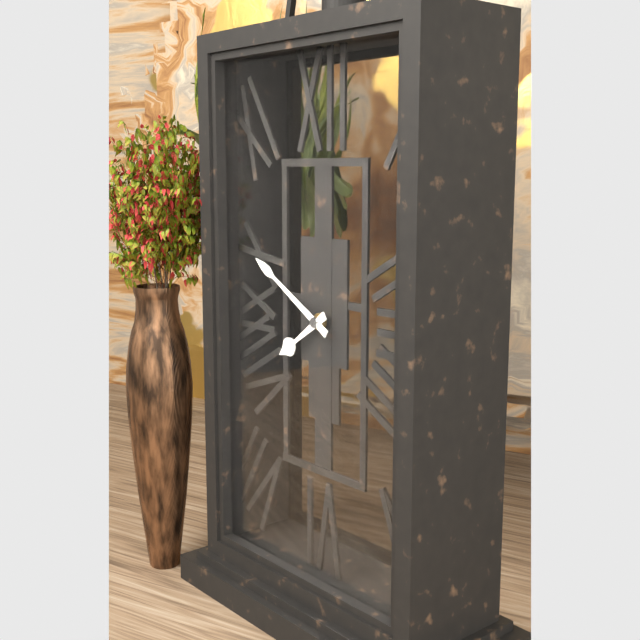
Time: 7h50
